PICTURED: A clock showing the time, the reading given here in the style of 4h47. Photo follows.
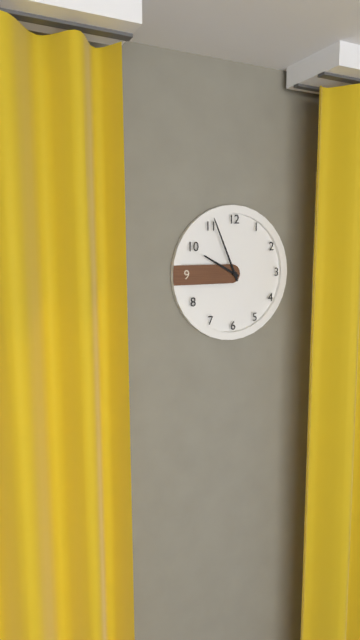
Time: 9h56
